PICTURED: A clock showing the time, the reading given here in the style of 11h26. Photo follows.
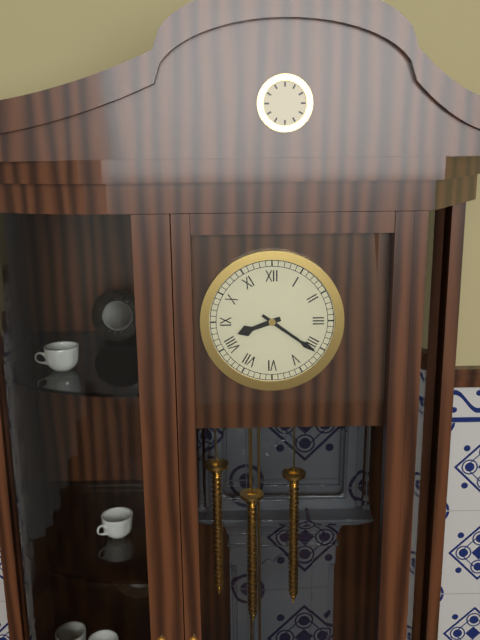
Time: 8h21
